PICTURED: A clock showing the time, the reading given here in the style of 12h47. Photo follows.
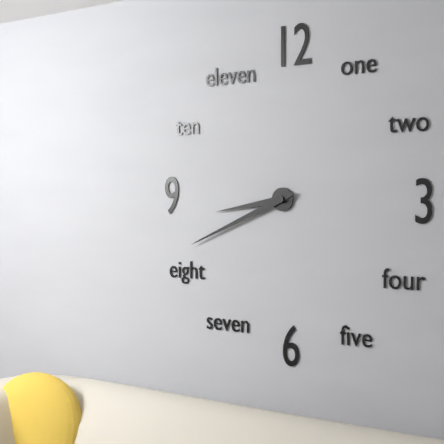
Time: 8h41
